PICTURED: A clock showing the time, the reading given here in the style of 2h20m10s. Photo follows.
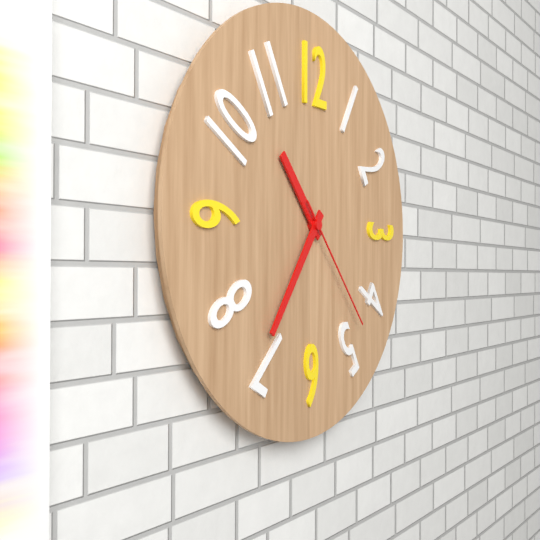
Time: 10h36m23s
